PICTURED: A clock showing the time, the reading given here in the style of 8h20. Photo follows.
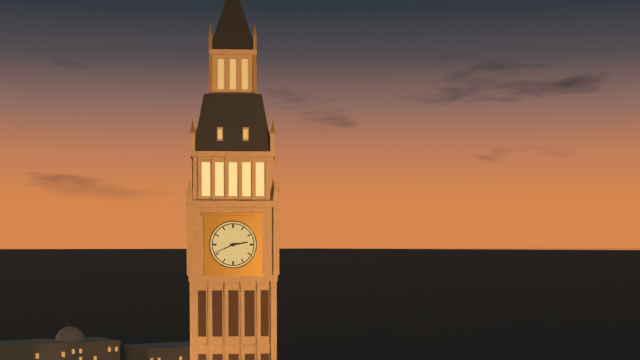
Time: 2h41
